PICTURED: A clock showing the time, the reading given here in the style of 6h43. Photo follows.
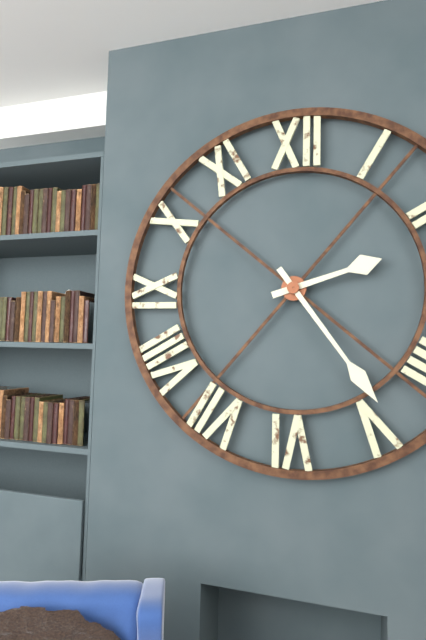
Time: 2h24
